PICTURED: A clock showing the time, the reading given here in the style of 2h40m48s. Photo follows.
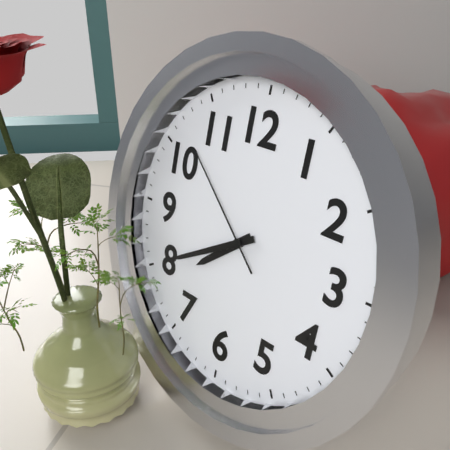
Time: 7h40m52s
